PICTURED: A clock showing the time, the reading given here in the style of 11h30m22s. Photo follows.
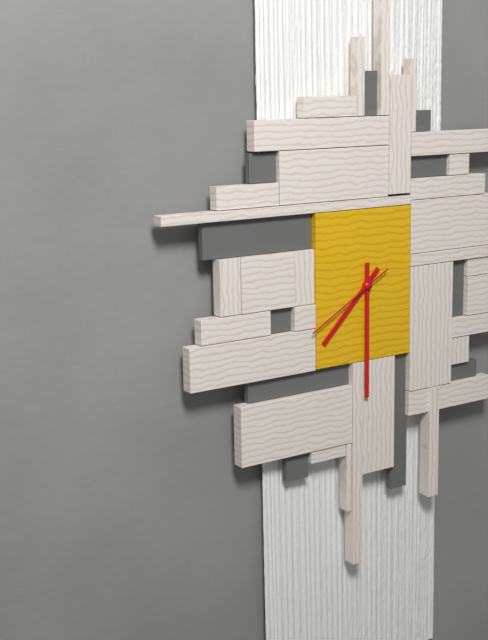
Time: 7h30m40s
